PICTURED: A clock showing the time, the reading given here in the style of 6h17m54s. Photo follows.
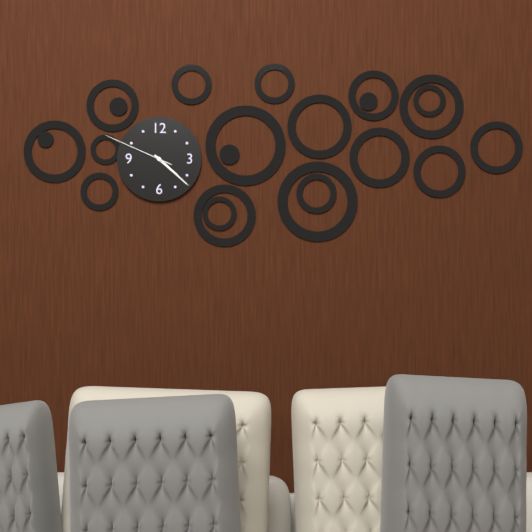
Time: 4h22m49s
